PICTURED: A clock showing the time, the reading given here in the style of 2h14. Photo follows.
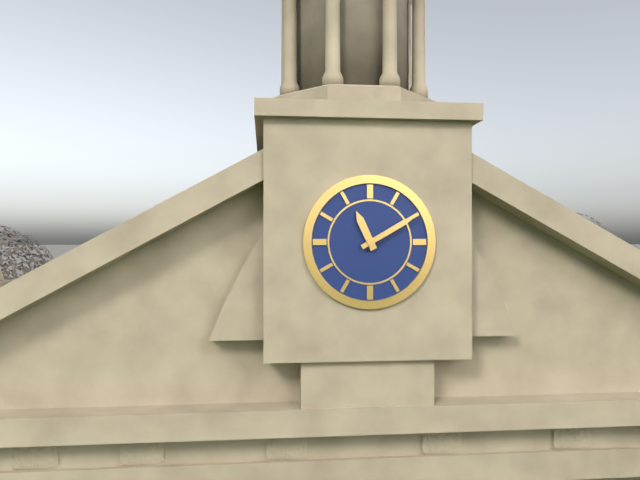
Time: 11h10
